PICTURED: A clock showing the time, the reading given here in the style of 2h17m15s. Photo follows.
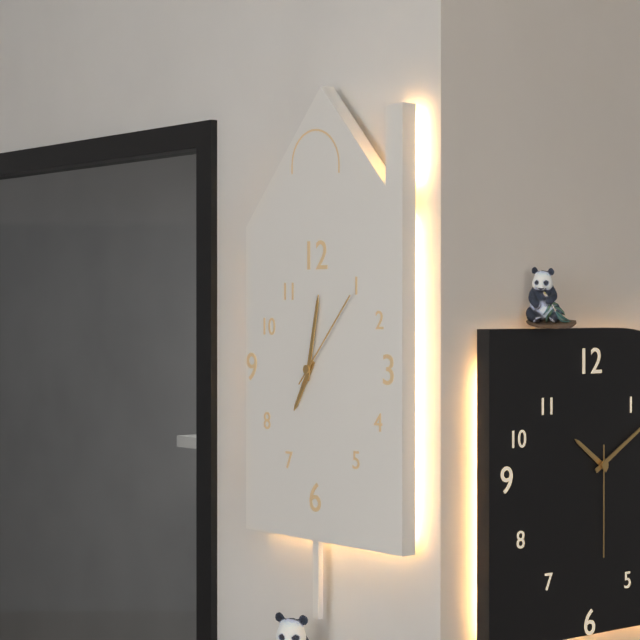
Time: 7h02m07s
